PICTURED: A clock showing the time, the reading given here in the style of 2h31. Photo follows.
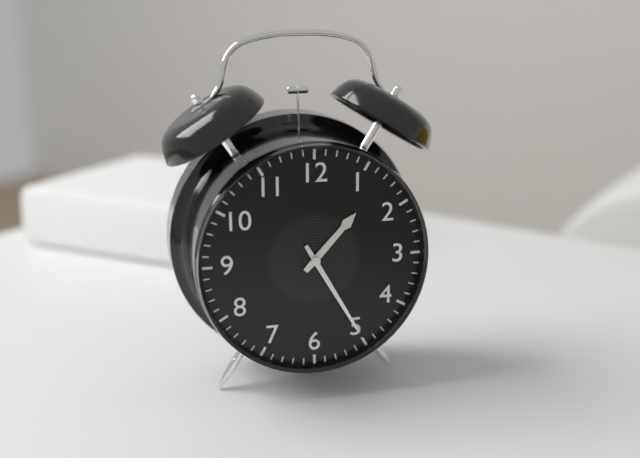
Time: 1h25
